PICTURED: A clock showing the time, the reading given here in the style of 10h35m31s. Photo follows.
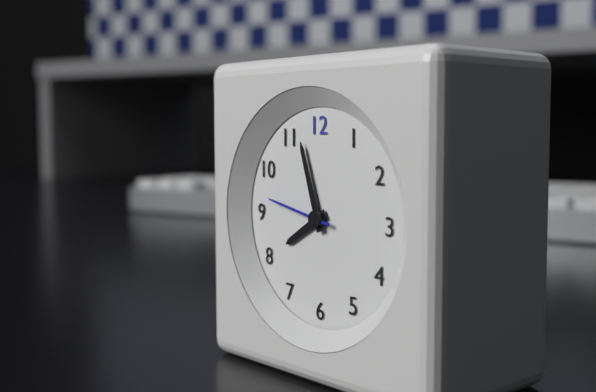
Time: 7h57m47s
